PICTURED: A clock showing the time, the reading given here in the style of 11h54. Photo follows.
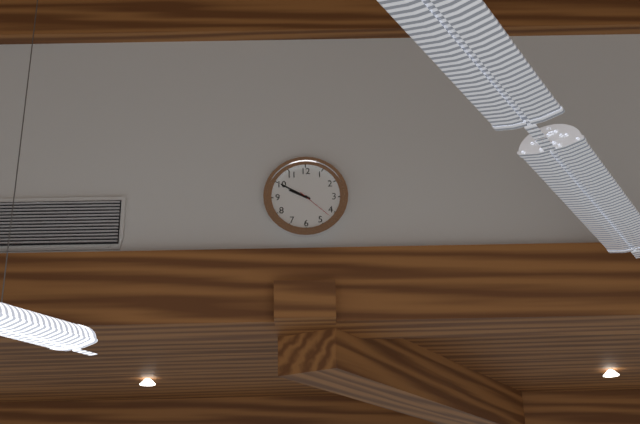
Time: 9h50
